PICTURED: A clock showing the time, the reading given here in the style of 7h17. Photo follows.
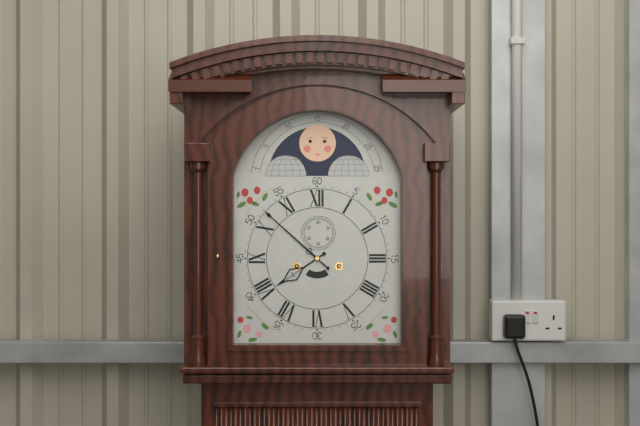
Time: 7h52
